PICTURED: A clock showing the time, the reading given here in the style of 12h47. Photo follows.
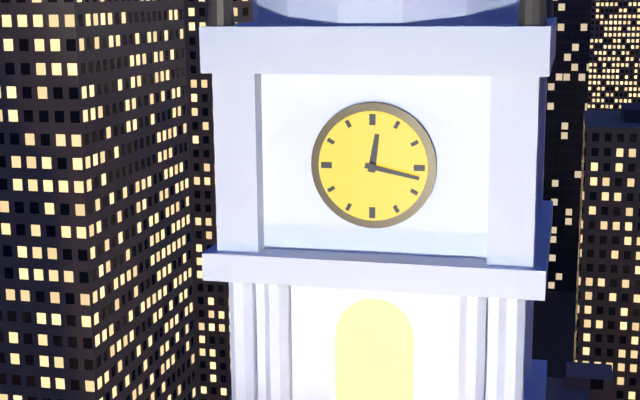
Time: 12h17
